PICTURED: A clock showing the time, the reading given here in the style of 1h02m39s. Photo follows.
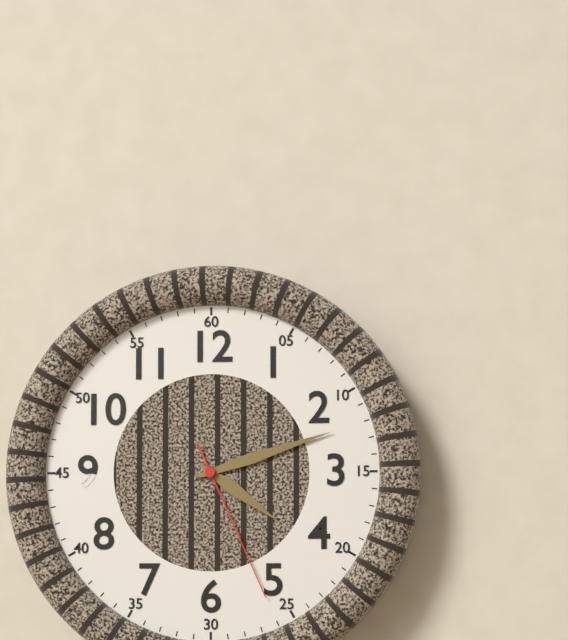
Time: 4h12m26s
